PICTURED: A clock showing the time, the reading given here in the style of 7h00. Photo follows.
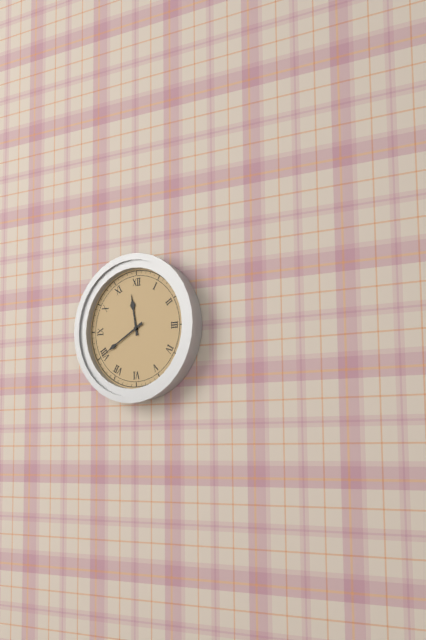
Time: 11h40
